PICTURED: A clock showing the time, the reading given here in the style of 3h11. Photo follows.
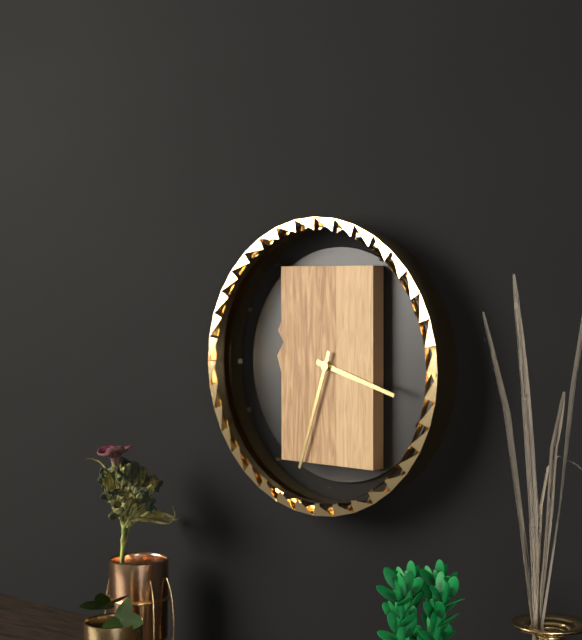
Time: 3h33
